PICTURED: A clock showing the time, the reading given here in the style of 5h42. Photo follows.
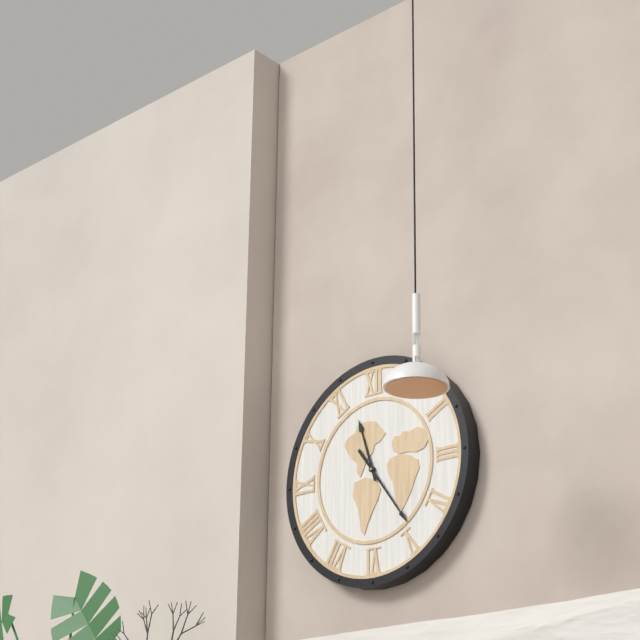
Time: 11h24
